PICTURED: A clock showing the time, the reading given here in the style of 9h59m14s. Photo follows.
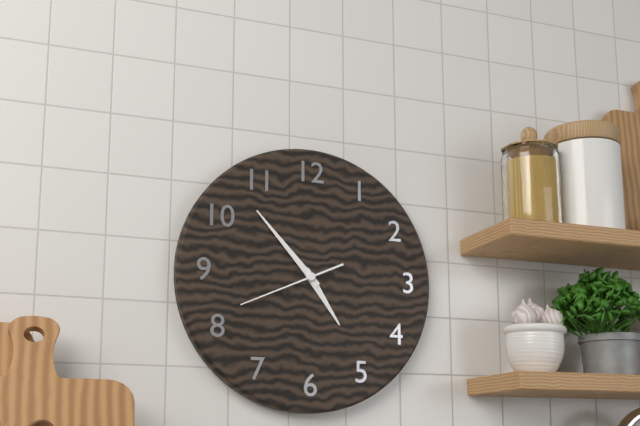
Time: 4h53m41s
